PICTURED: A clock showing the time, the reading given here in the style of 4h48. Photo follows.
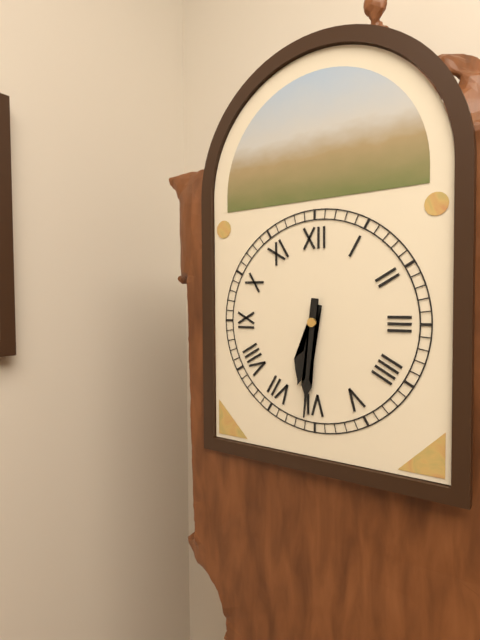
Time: 6h31
